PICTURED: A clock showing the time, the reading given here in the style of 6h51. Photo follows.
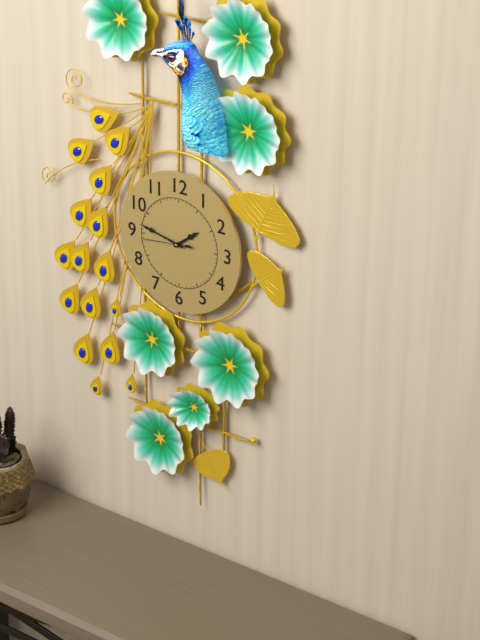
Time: 1h47
